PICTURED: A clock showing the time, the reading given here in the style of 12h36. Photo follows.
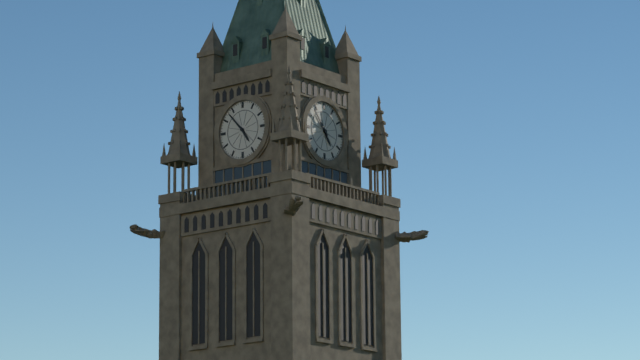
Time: 4h53
